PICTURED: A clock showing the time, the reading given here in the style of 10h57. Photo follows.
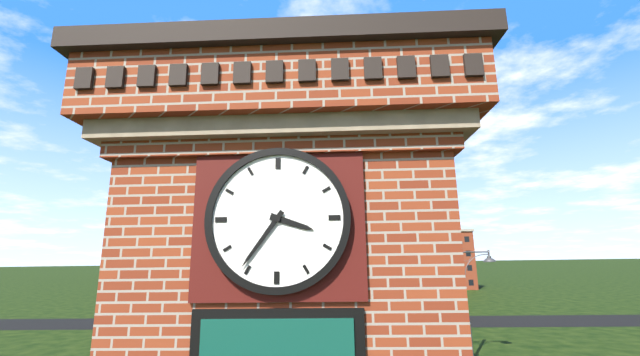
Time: 3h36
